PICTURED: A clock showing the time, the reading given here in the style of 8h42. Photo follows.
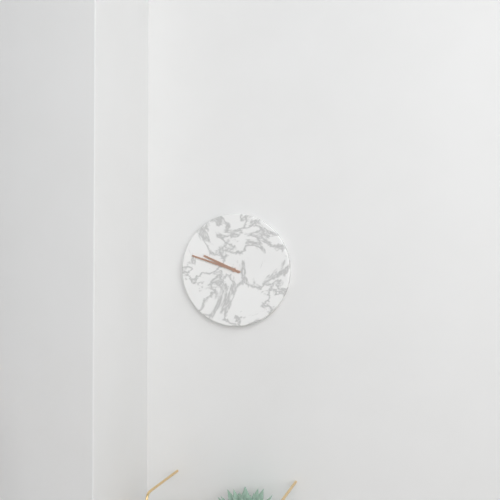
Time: 9h48
